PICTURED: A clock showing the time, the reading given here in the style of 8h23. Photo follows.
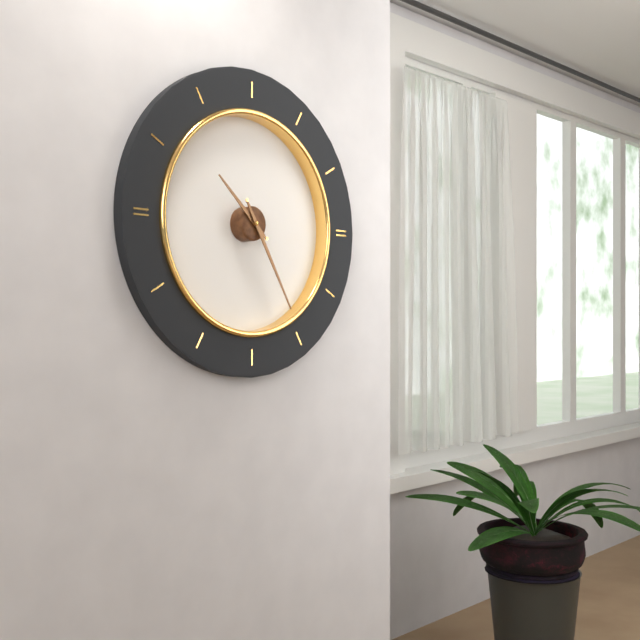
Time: 10h25
